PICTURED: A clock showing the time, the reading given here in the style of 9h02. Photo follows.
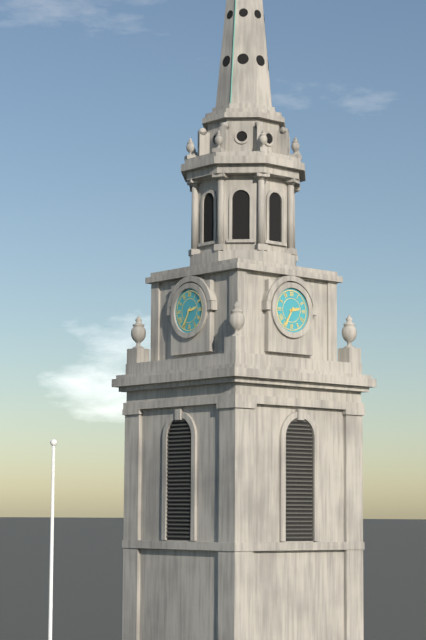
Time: 2h35
